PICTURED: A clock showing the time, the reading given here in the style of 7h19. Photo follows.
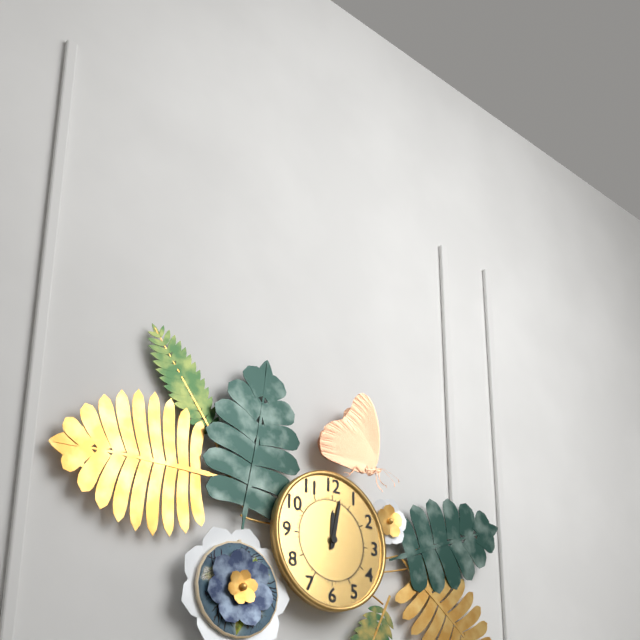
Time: 12h02
